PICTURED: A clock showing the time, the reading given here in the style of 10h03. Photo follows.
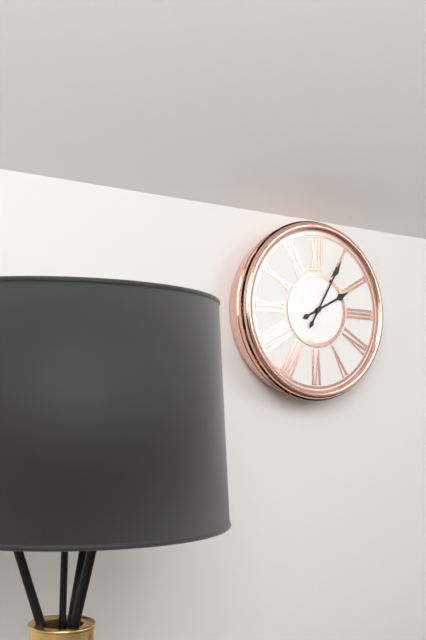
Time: 2h05
